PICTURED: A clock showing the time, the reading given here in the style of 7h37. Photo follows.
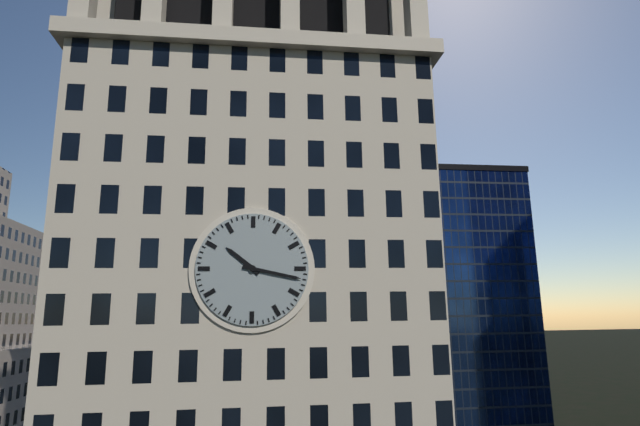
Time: 10h17
